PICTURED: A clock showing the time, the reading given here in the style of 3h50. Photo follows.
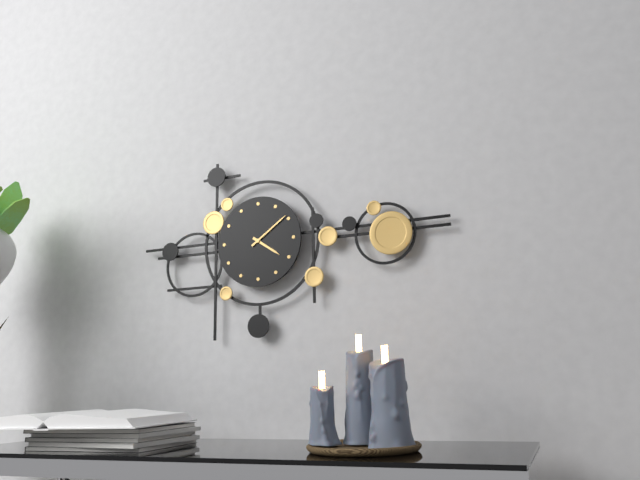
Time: 4h09
